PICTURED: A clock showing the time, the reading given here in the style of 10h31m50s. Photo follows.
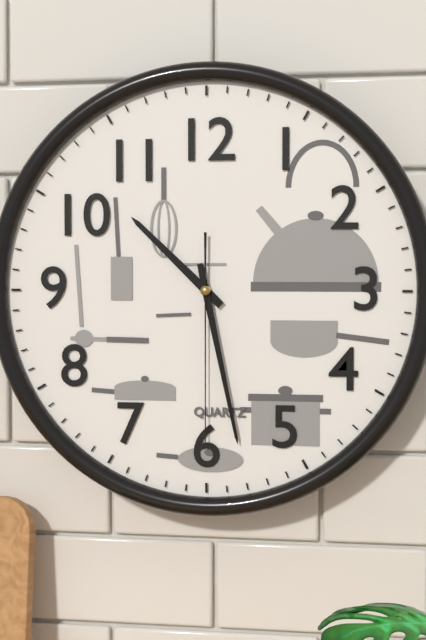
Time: 10h28m30s
